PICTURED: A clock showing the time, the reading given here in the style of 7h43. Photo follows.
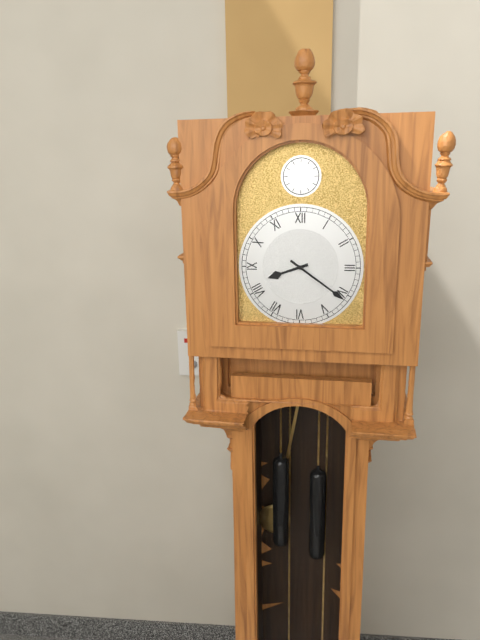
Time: 8h21
